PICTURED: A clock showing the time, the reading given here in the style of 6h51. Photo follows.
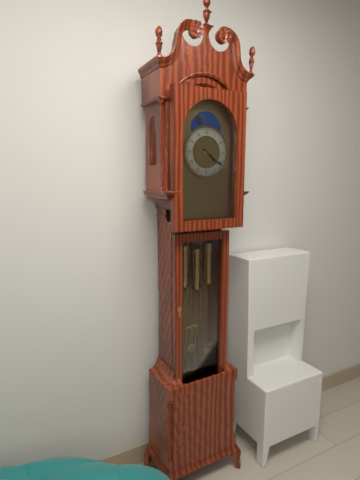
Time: 4h21
